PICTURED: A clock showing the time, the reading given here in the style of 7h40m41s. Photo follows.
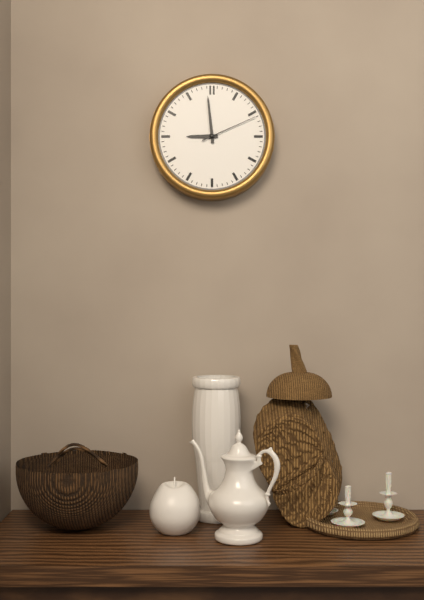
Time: 8h59m11s
